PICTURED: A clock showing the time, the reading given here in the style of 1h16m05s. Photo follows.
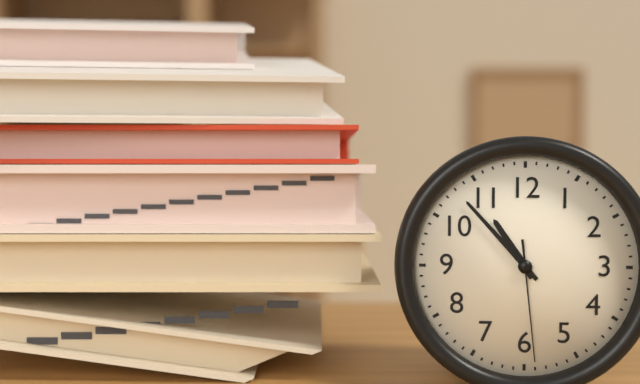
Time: 10h53m29s
